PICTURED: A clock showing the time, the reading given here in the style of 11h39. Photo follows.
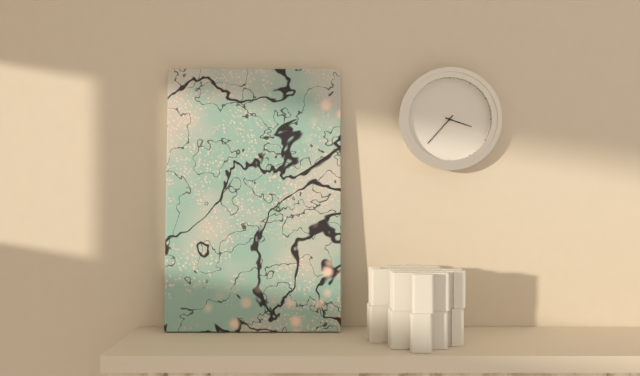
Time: 3h37
